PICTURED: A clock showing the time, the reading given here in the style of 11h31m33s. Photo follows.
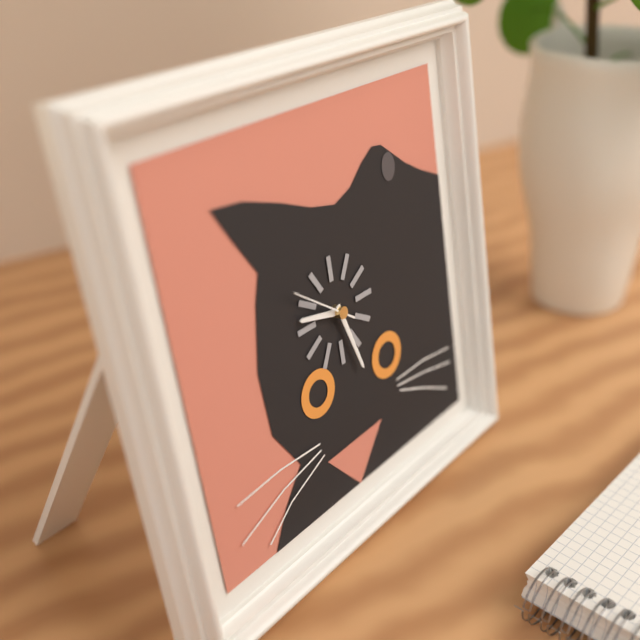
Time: 9h27m51s
